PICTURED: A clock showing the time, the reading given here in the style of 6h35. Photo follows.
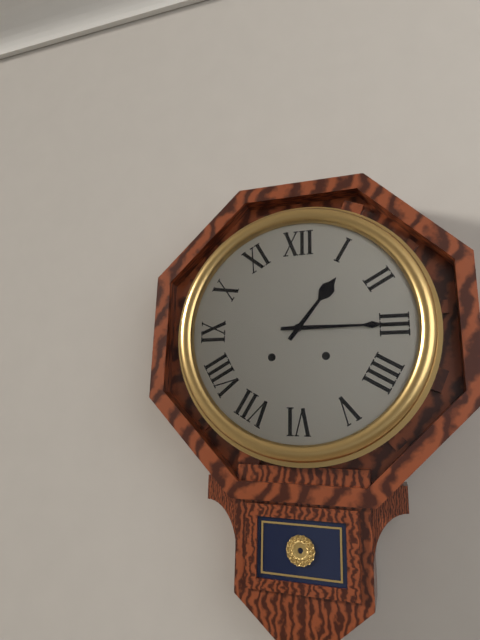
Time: 1h15
